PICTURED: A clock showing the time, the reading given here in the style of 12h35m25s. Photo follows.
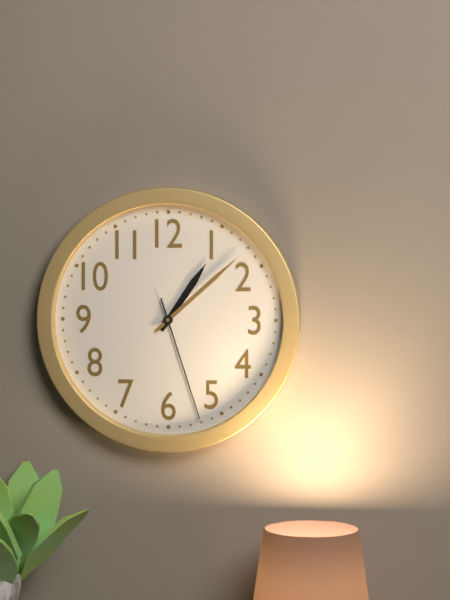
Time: 1h08m27s
